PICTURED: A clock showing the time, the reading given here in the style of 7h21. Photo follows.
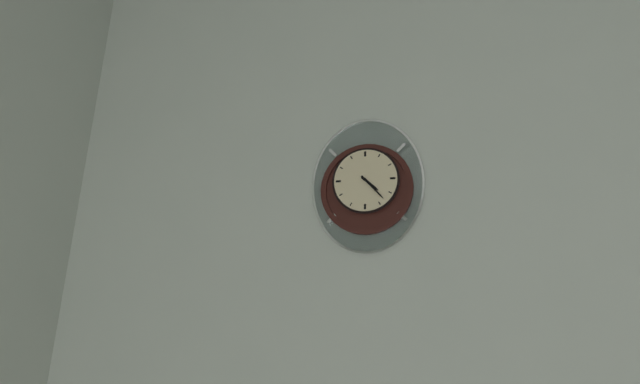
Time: 4h23
